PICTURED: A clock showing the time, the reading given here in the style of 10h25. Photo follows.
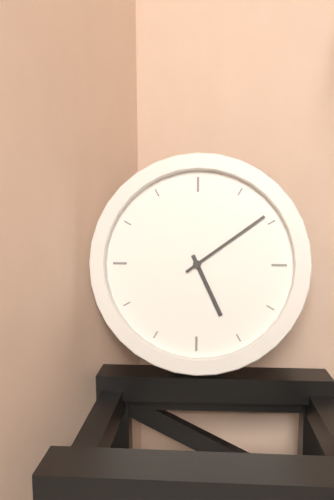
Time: 5h09
